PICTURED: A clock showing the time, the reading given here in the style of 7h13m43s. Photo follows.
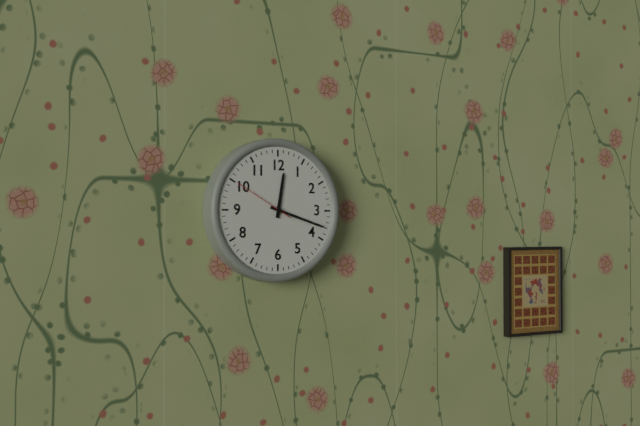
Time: 12h18m50s
